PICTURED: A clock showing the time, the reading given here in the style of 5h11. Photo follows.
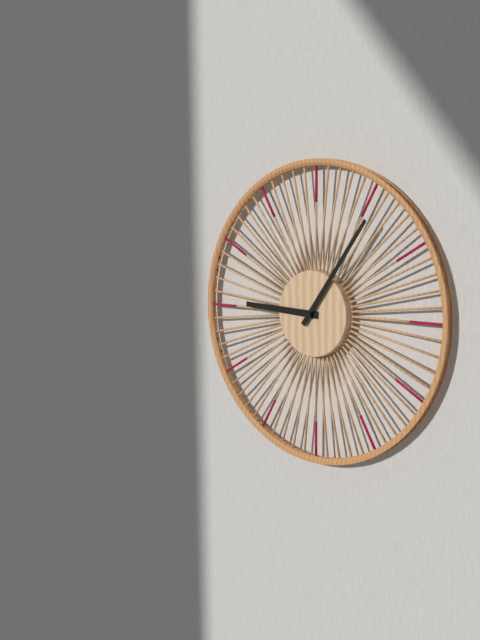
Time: 9h06
